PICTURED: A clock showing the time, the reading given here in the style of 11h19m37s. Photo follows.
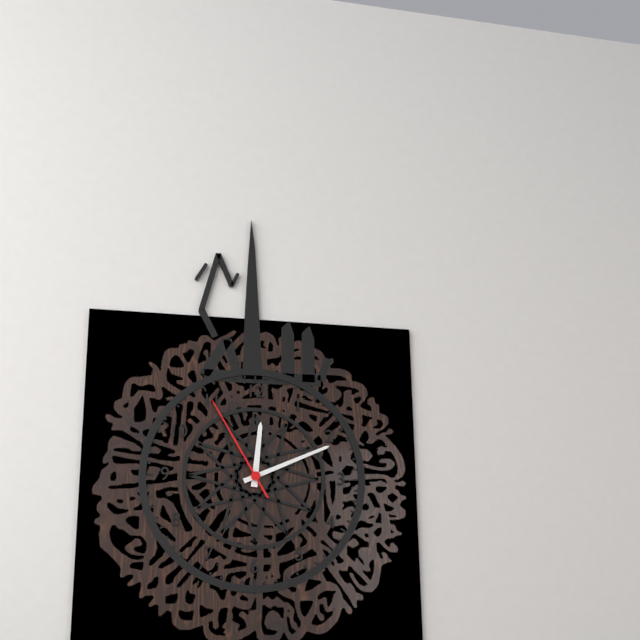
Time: 12h11m55s
